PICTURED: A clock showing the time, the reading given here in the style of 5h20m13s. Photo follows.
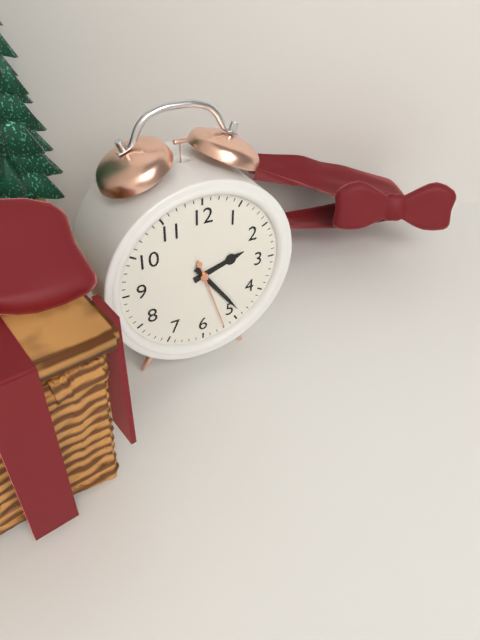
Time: 2h24m27s
